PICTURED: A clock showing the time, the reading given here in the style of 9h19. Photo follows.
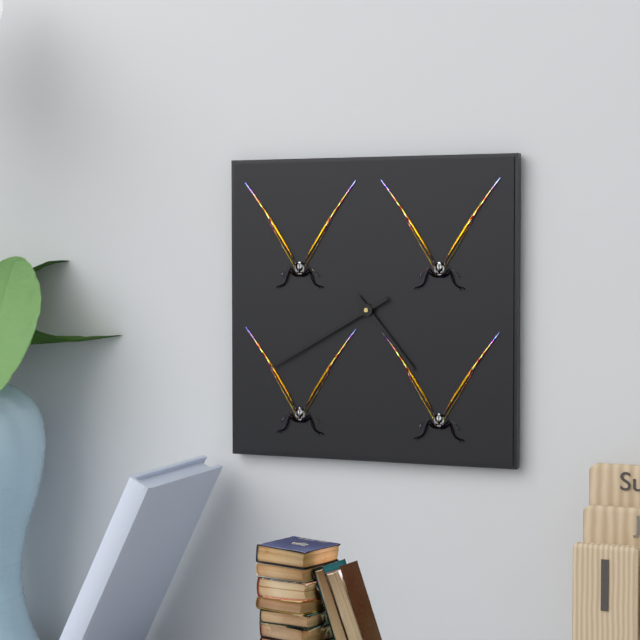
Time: 4h40
